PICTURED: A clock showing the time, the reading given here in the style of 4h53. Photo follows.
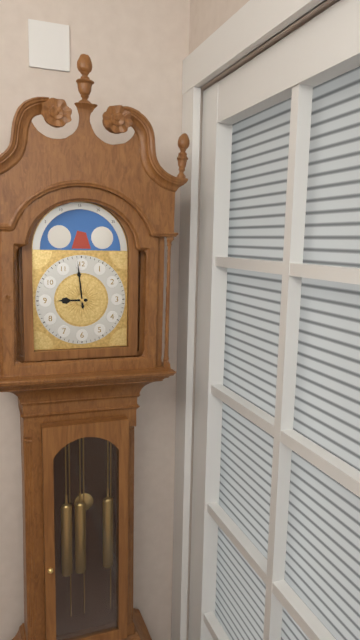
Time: 8h59
